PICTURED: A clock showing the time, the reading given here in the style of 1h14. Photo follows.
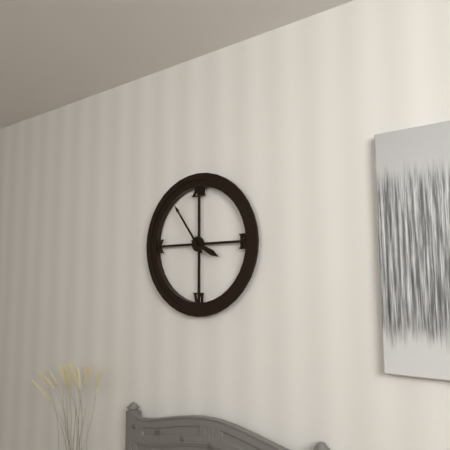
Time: 3h54
